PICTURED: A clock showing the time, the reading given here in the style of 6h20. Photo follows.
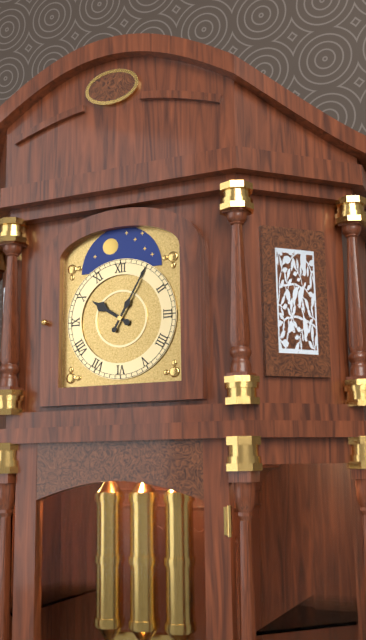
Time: 10h05
